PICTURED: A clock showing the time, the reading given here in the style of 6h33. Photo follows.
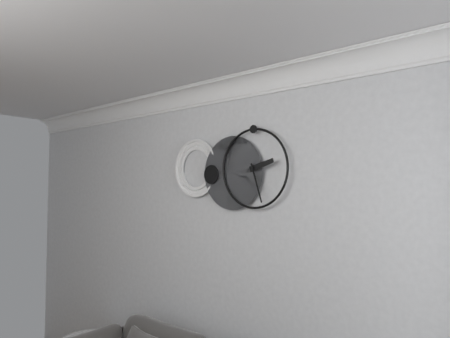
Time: 2h27
